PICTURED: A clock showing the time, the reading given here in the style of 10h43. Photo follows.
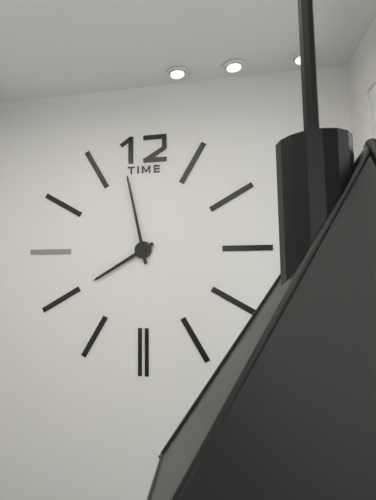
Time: 7h58
